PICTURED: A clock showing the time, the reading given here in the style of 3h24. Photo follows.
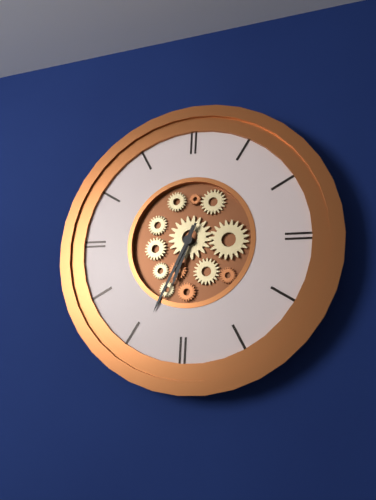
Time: 6h34
